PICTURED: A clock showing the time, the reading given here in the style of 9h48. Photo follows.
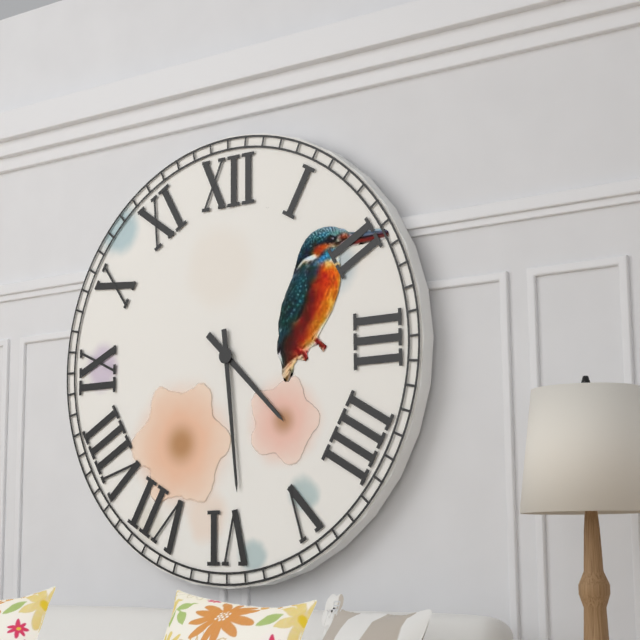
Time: 4h29
